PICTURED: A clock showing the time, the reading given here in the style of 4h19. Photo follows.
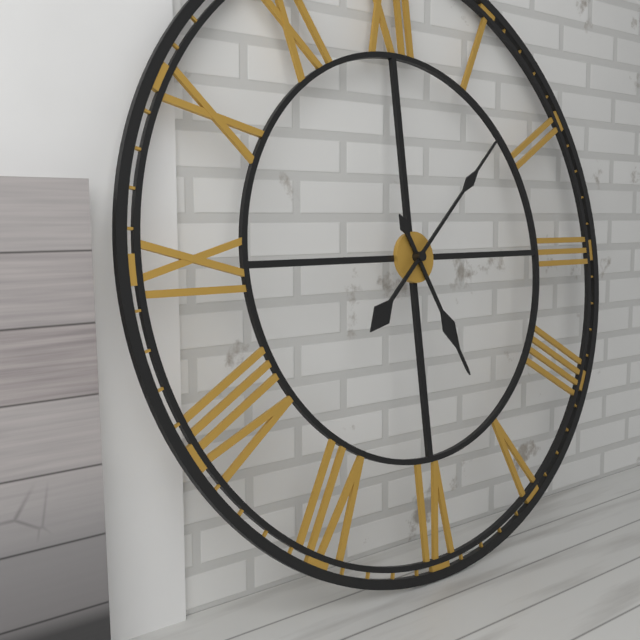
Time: 5h08
